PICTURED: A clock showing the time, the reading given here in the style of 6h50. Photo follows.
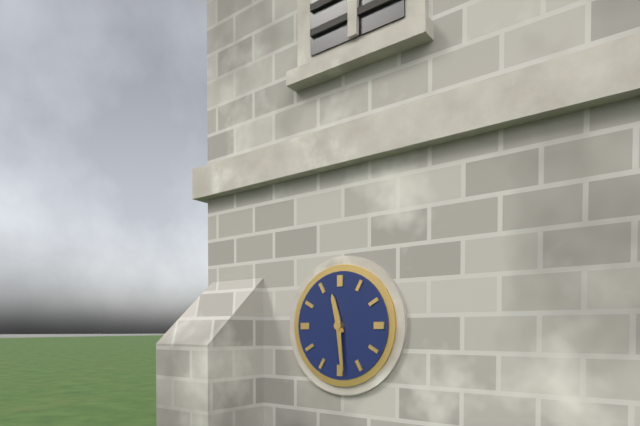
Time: 11h29
